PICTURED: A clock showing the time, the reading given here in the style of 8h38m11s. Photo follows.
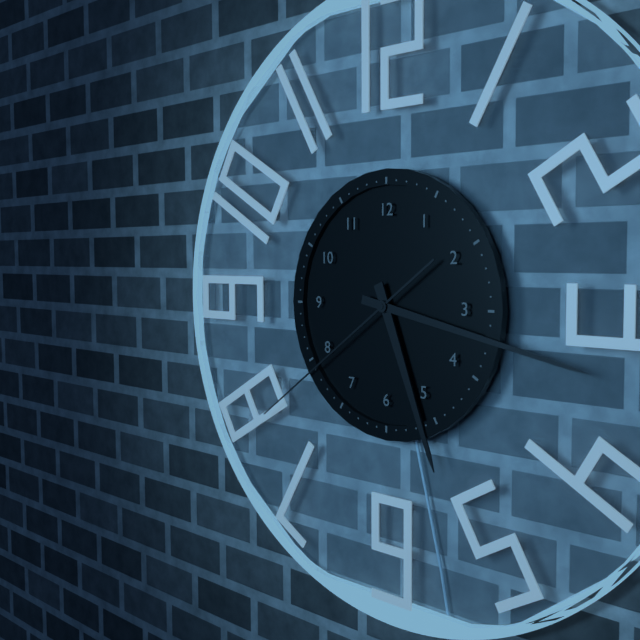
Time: 5h17m39s
